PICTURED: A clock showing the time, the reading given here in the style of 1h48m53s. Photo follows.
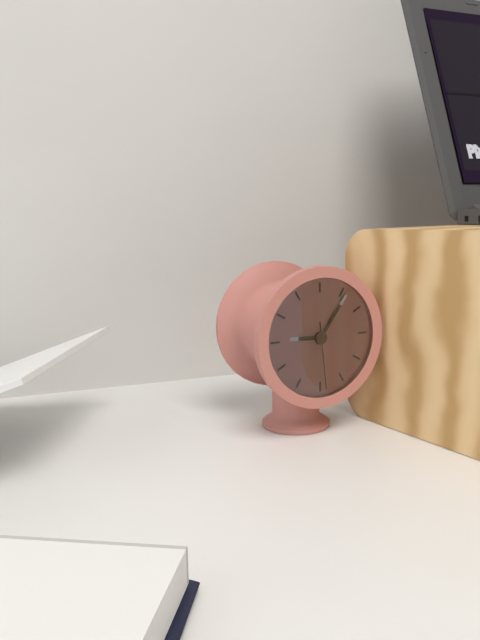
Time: 9h06m29s
